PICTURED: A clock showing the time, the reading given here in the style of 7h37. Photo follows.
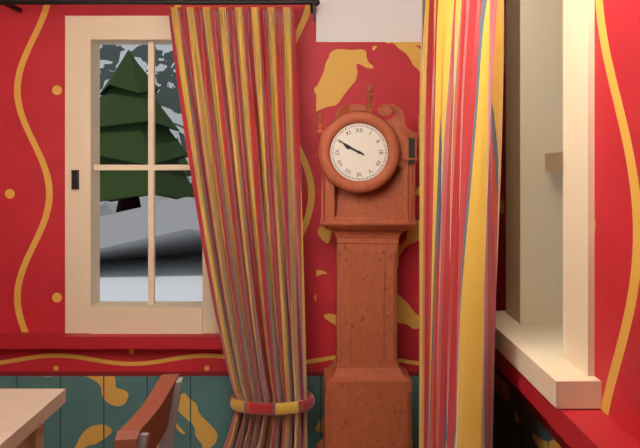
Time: 9h50
